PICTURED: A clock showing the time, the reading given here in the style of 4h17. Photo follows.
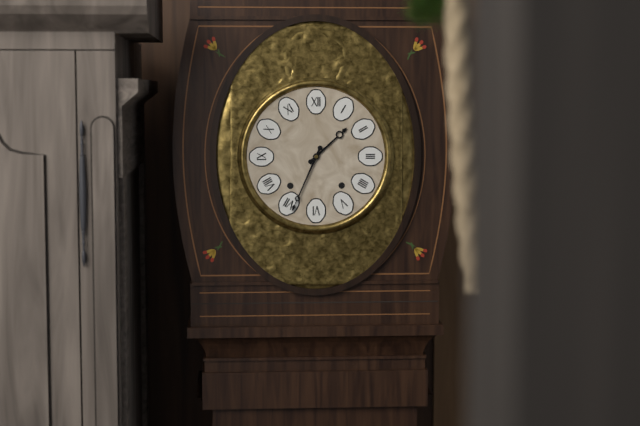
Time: 1h34
